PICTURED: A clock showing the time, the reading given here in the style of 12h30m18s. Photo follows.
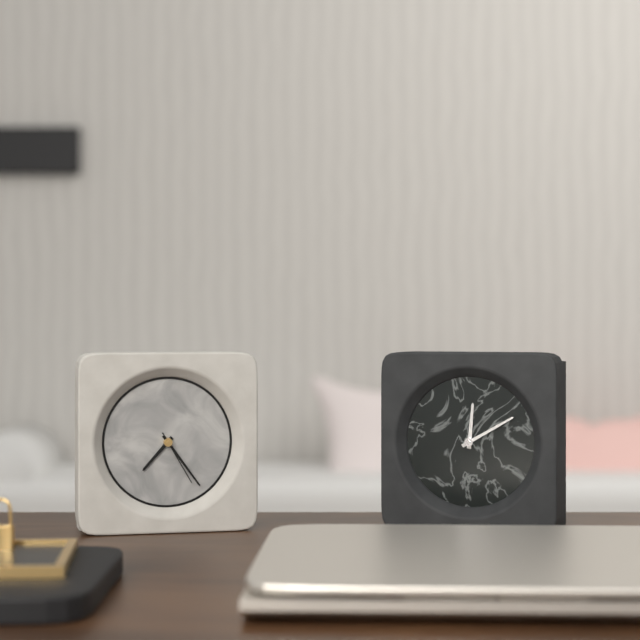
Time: 7h24m25s
